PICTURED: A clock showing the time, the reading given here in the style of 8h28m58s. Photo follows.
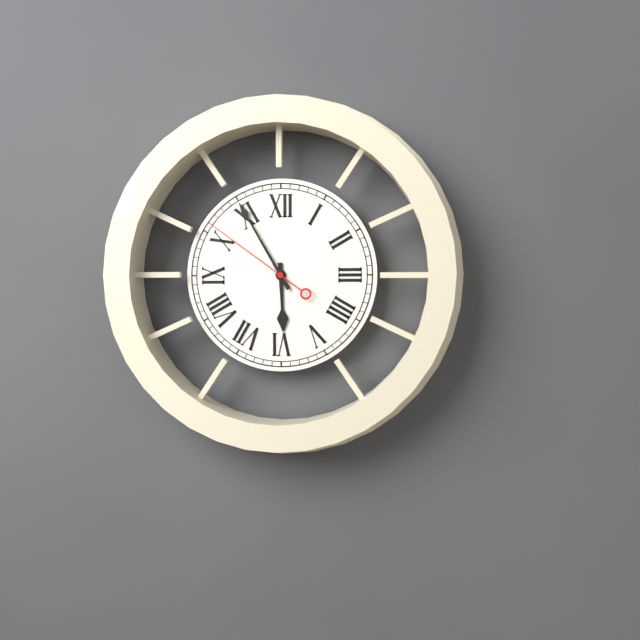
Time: 5h55m51s
